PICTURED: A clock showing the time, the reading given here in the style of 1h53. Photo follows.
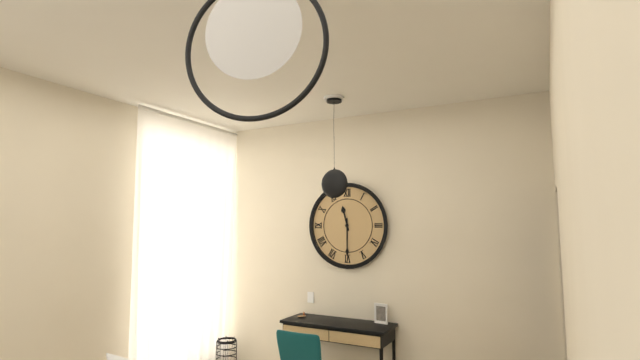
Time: 11h30
